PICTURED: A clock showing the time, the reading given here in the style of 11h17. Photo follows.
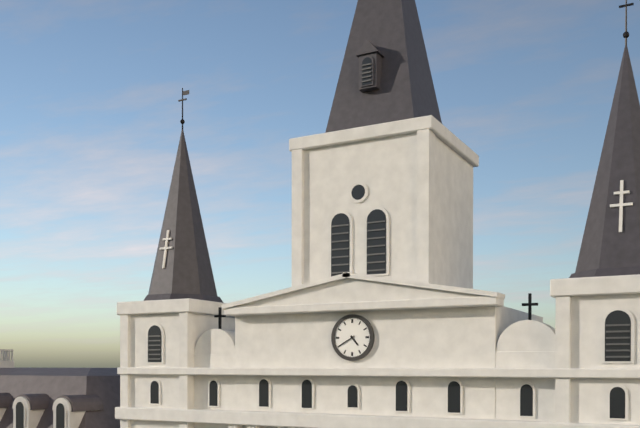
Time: 4h40
